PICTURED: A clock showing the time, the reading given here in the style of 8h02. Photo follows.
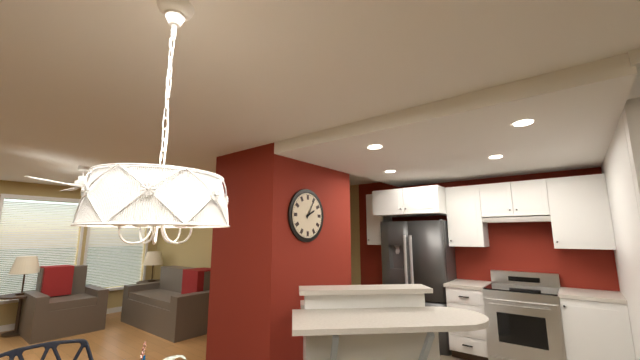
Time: 2h05
